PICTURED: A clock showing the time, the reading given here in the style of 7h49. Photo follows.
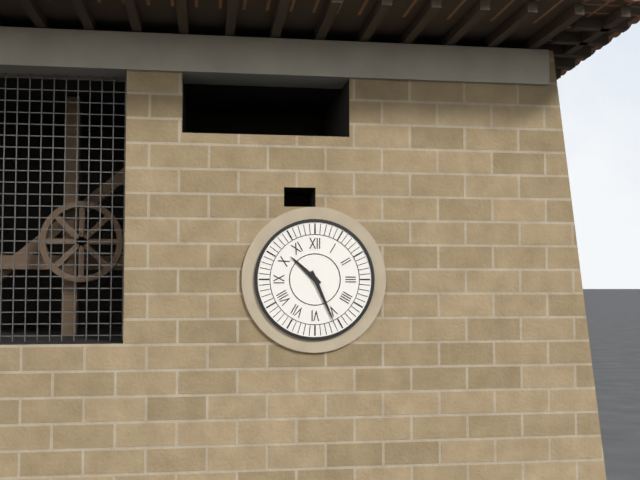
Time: 10h26
